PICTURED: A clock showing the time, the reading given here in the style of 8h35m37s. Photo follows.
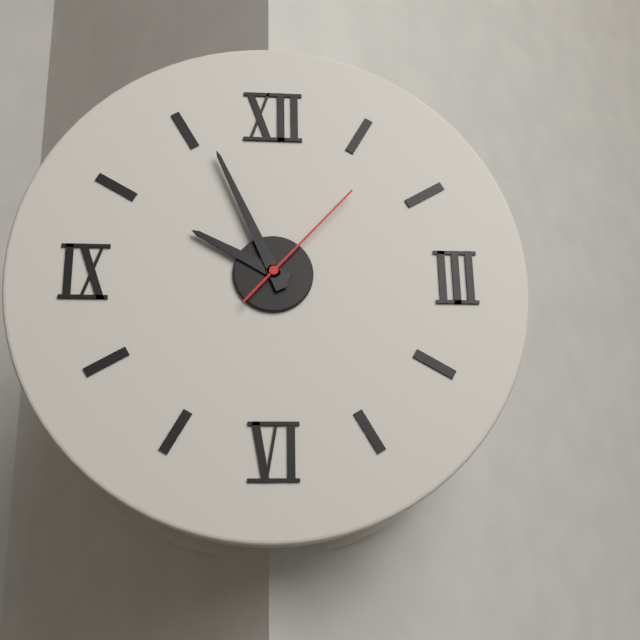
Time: 9h56m07s
